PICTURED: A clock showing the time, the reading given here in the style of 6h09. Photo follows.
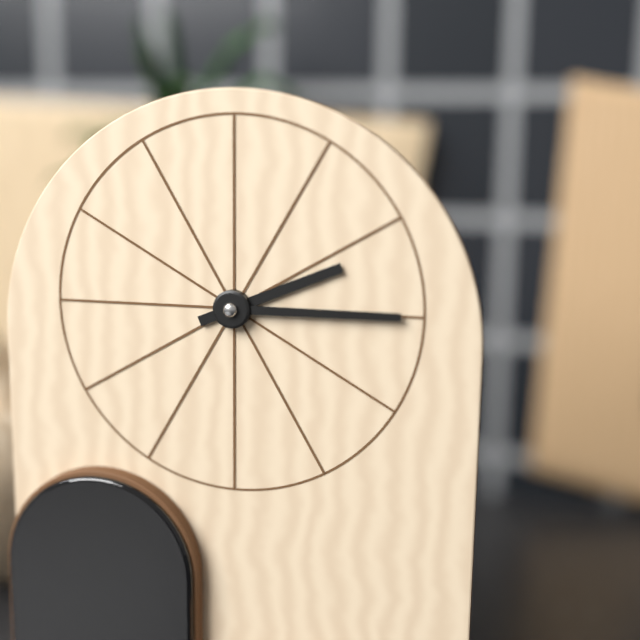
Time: 2h15
